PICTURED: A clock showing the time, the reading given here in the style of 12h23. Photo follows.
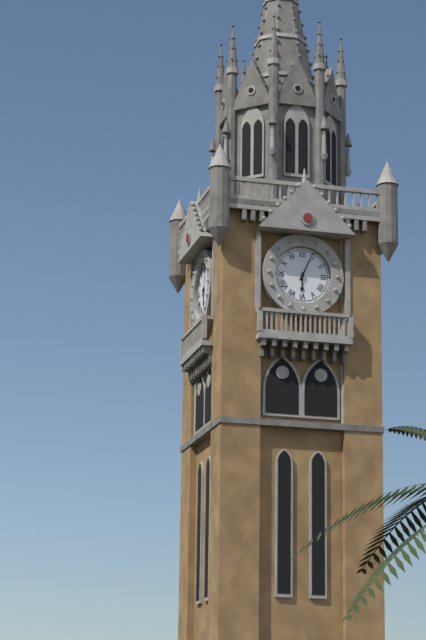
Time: 6h04
